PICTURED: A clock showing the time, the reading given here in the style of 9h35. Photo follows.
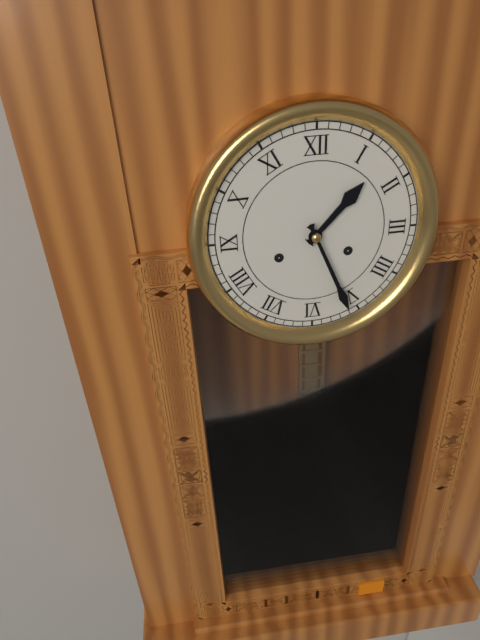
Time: 1h26
